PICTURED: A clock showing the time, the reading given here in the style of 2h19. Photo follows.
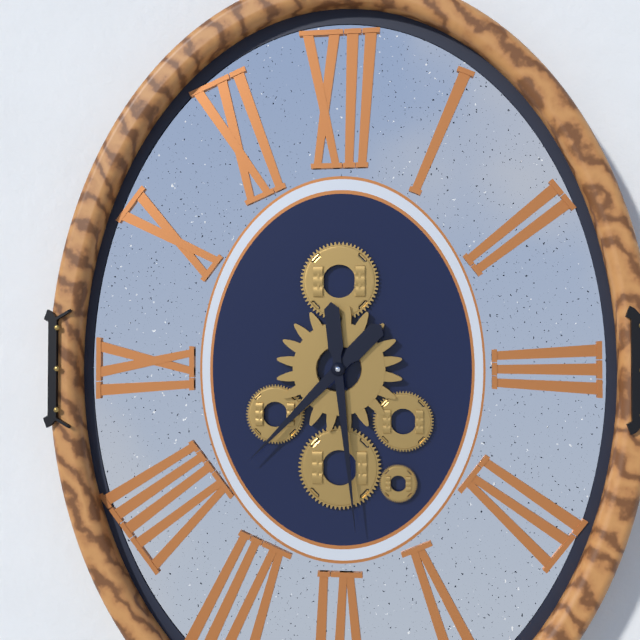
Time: 7h29
